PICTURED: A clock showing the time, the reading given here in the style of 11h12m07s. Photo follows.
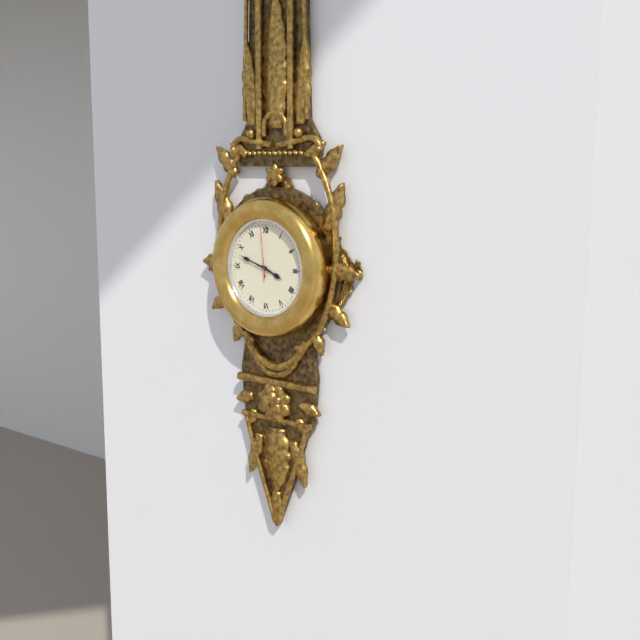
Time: 3h48m59s
